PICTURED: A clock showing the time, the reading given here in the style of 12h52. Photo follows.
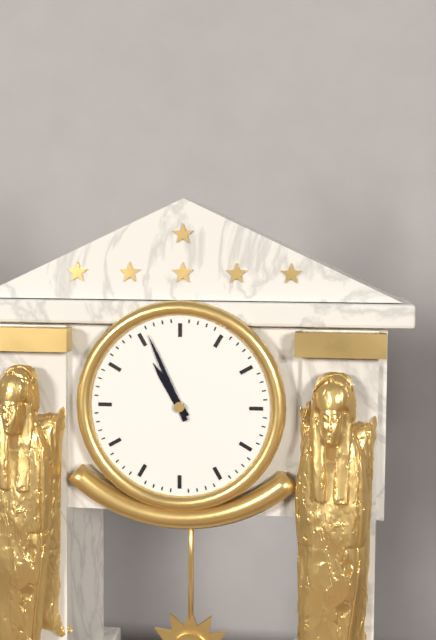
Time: 10h56
